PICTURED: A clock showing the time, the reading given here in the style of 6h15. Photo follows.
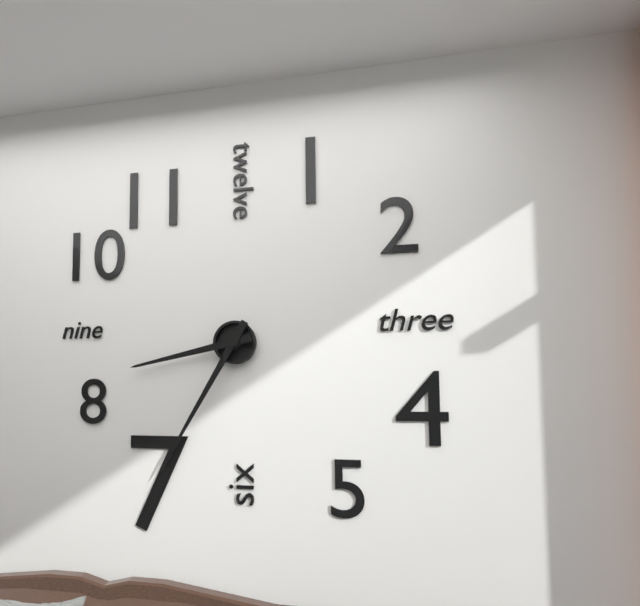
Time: 8h35
